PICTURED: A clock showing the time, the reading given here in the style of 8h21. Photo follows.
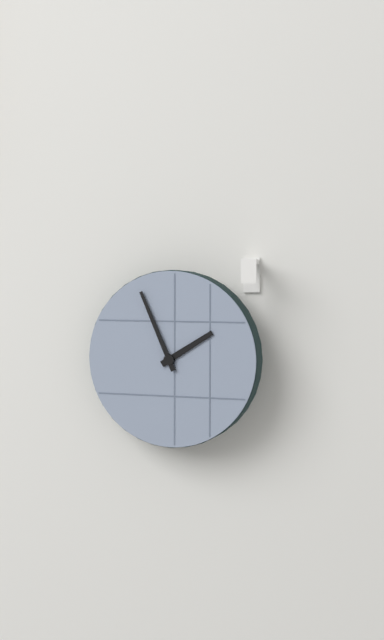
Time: 1h56
